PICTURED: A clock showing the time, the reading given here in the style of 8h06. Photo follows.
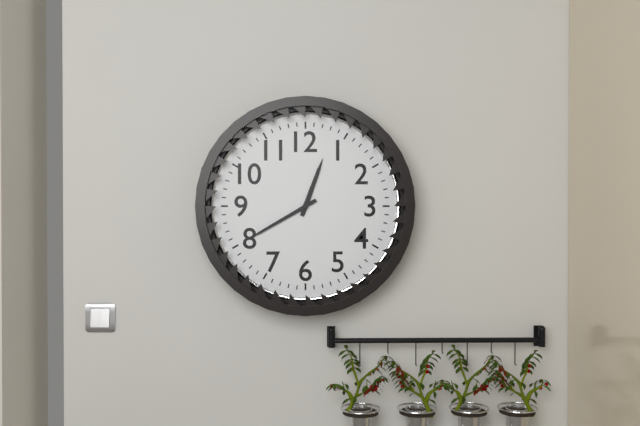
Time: 12h40
